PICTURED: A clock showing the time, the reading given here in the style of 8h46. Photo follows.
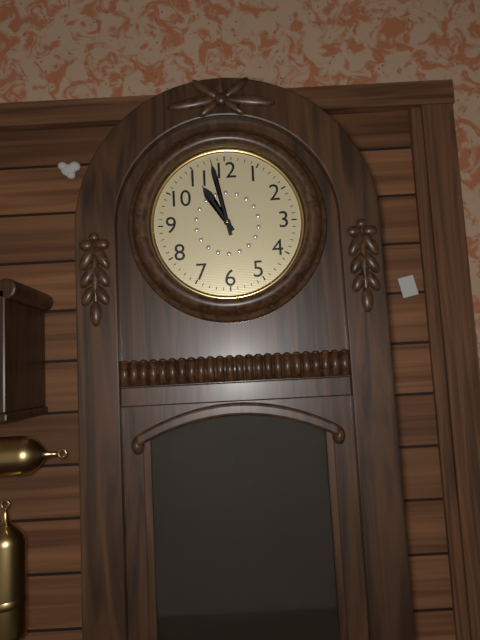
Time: 10h58
